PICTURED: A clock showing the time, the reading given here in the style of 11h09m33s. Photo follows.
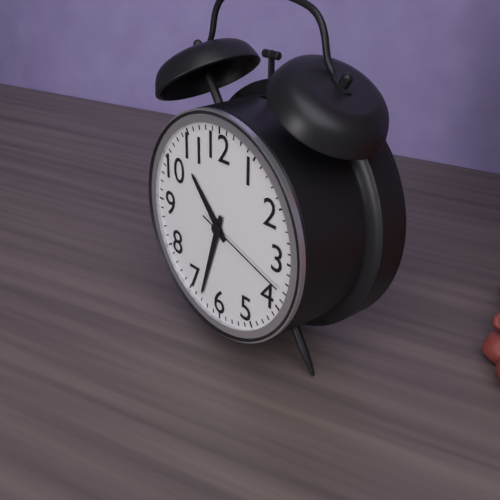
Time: 10h33m18s
